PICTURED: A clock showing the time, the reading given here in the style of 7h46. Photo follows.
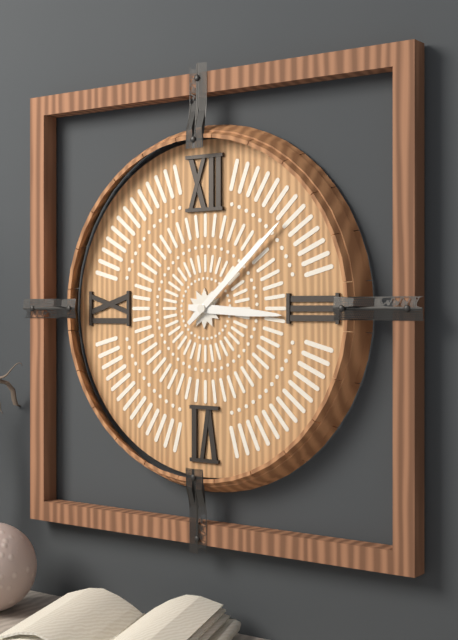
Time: 3h08
